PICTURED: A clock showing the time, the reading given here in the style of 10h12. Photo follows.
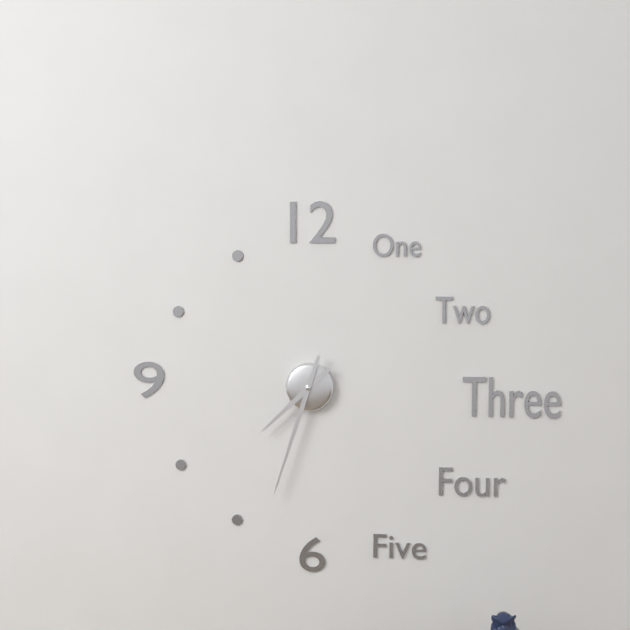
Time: 7h33
